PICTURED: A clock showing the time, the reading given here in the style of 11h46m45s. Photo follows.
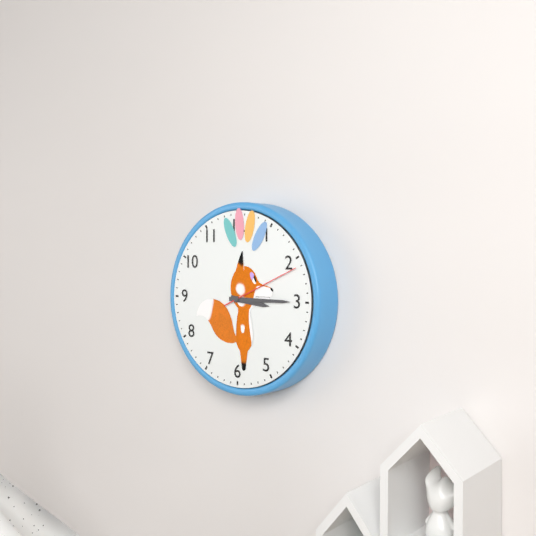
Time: 3h15m11s
